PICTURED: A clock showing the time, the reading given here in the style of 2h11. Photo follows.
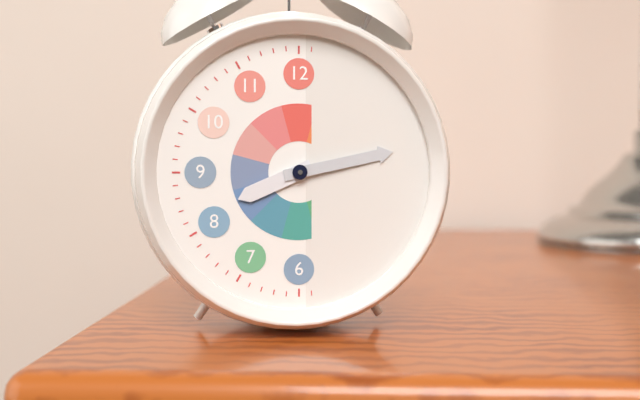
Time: 8h13
